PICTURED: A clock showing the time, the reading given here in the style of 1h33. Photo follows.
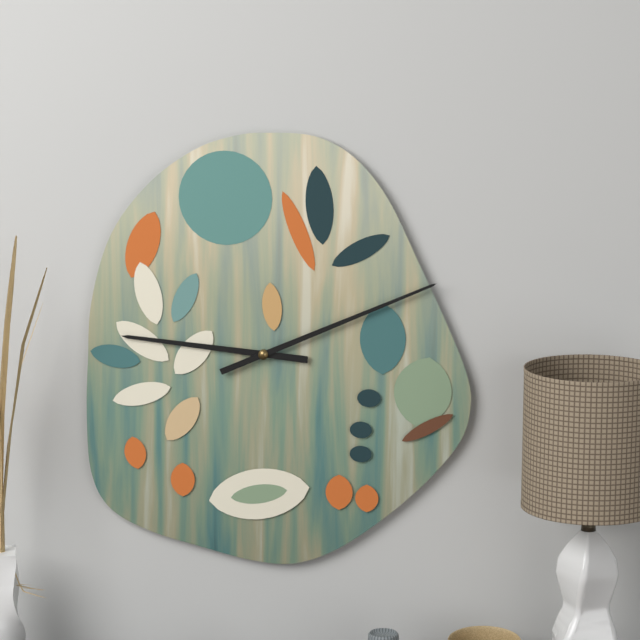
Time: 9h11
